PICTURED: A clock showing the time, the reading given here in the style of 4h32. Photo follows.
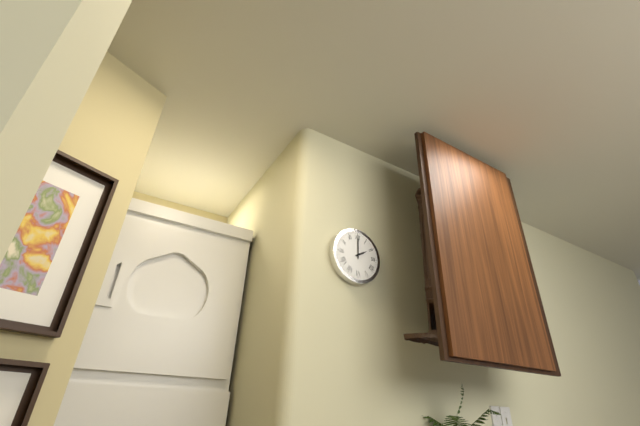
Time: 2h00
